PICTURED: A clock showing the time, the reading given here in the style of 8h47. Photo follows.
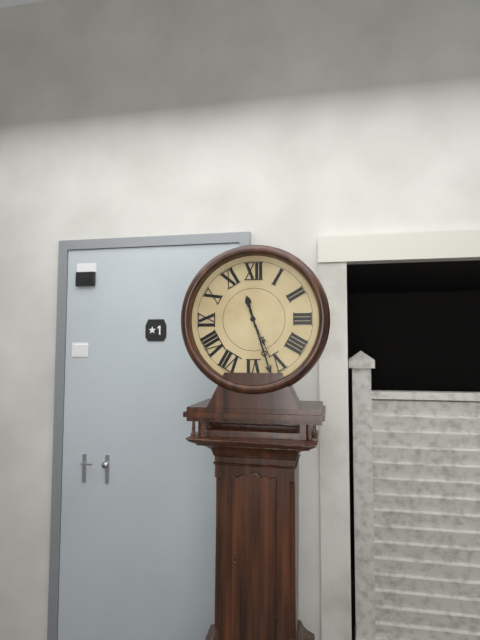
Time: 11h27
